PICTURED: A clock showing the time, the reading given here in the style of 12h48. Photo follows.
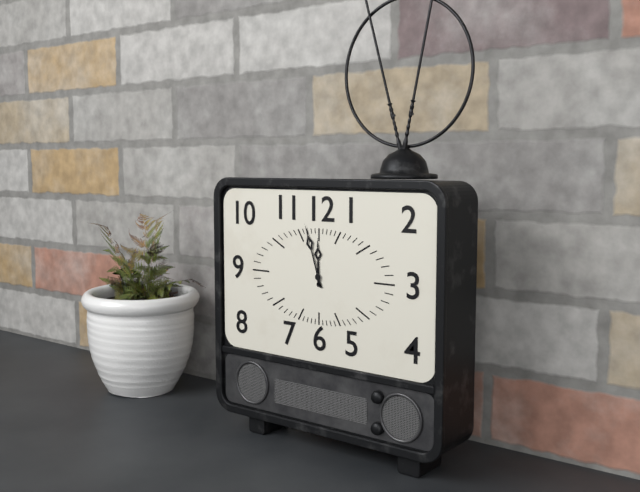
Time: 11h57
